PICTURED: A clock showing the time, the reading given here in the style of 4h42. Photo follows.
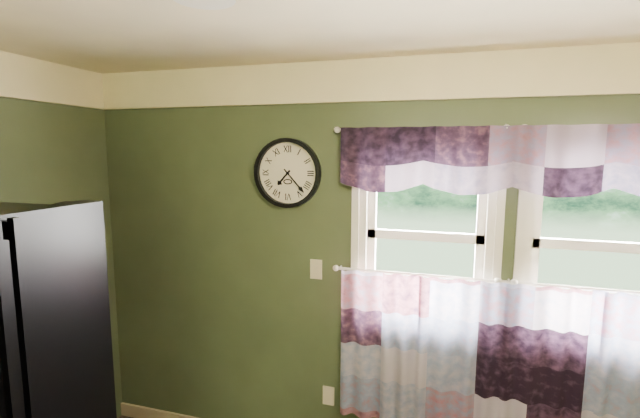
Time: 7h23
